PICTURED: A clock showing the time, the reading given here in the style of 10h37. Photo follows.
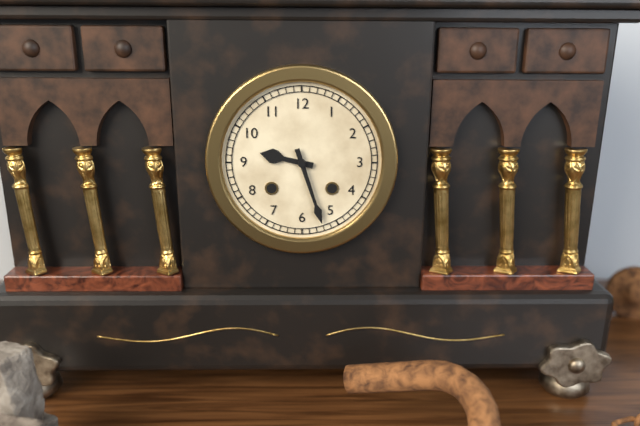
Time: 9h27
